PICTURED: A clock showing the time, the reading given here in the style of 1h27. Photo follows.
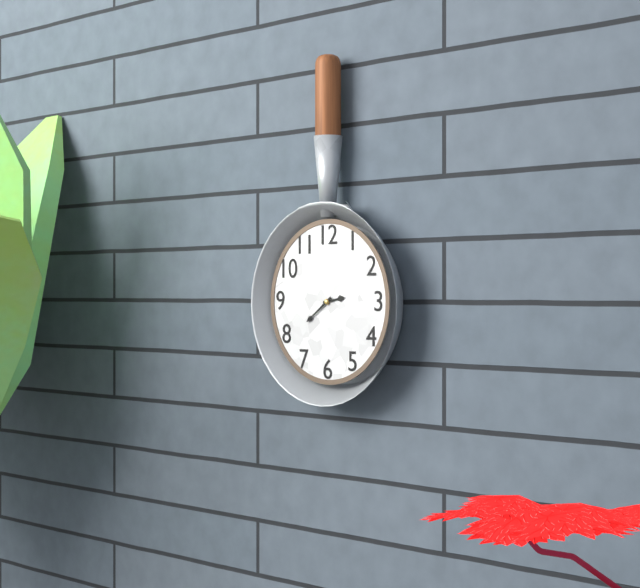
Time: 2h39
